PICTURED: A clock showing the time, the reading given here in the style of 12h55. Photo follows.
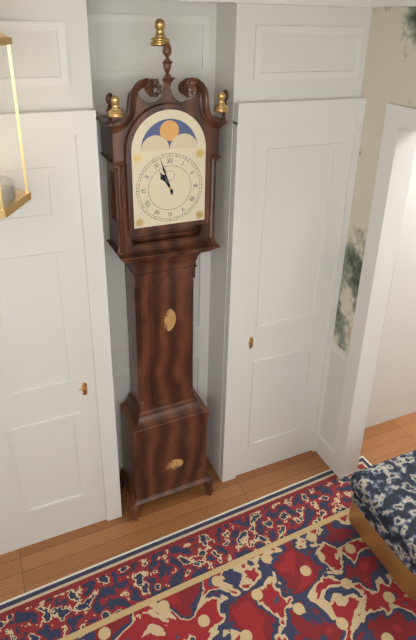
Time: 10h57
